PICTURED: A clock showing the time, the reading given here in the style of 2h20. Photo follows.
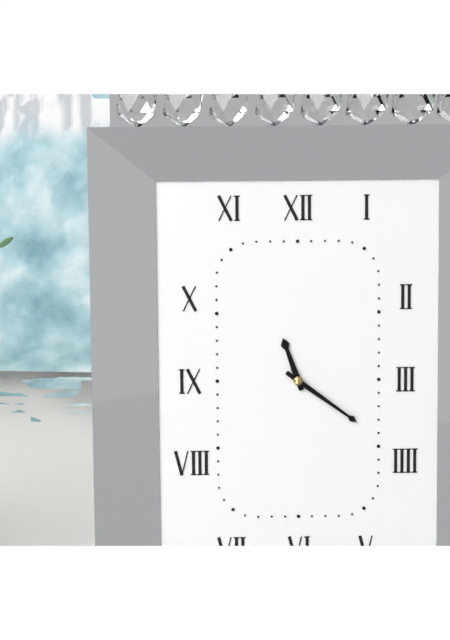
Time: 11h21
